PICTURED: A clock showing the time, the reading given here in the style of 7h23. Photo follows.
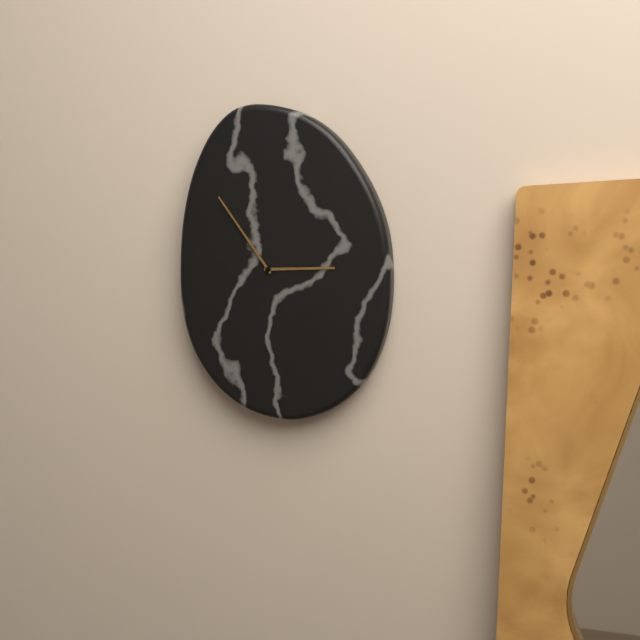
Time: 2h54
